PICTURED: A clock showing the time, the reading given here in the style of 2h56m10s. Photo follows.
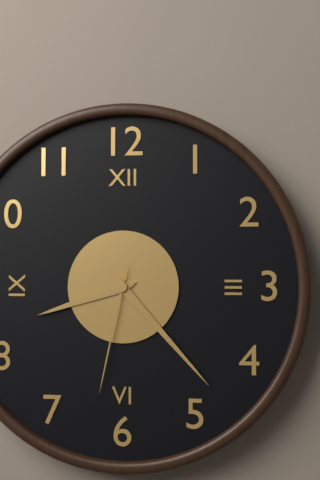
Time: 8h23m32s
